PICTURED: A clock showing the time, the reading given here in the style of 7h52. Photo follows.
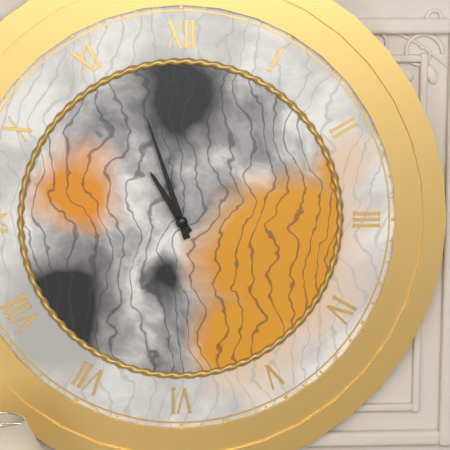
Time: 10h57
